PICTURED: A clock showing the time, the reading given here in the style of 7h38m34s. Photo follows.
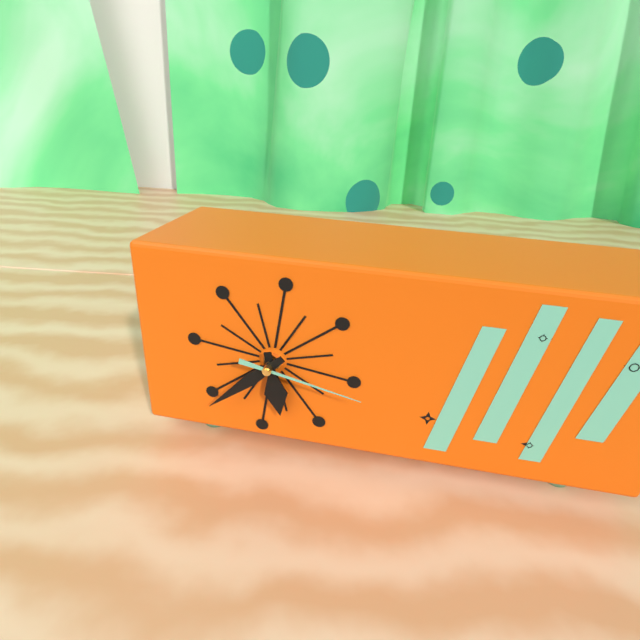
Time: 5h38m17s
